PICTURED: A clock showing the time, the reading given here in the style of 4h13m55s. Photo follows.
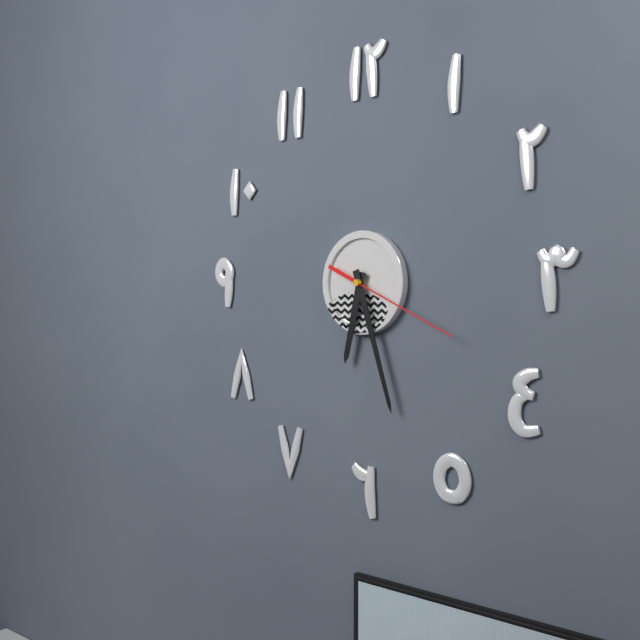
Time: 6h27m19s
